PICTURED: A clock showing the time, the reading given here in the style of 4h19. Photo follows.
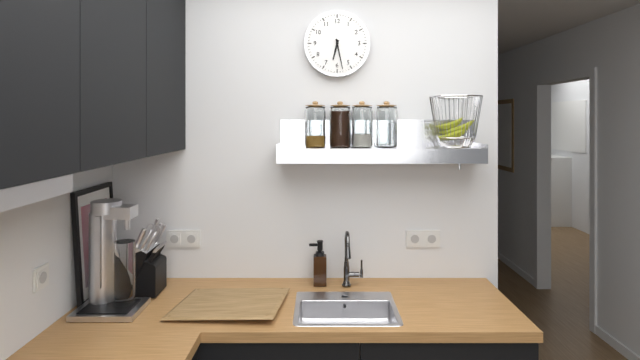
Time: 6h28
